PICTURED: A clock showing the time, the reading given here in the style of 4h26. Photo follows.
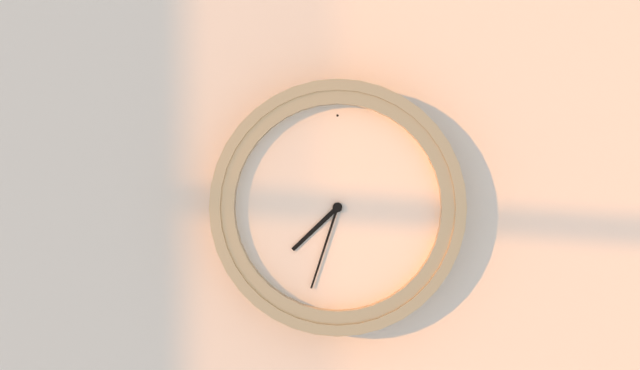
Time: 7h33
